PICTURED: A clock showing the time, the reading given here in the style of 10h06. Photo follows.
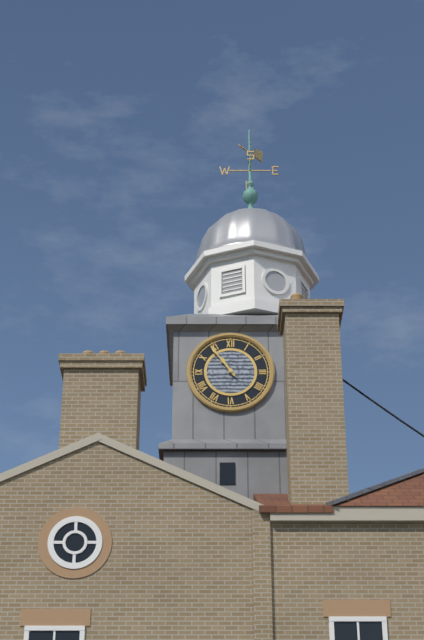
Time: 10h54
